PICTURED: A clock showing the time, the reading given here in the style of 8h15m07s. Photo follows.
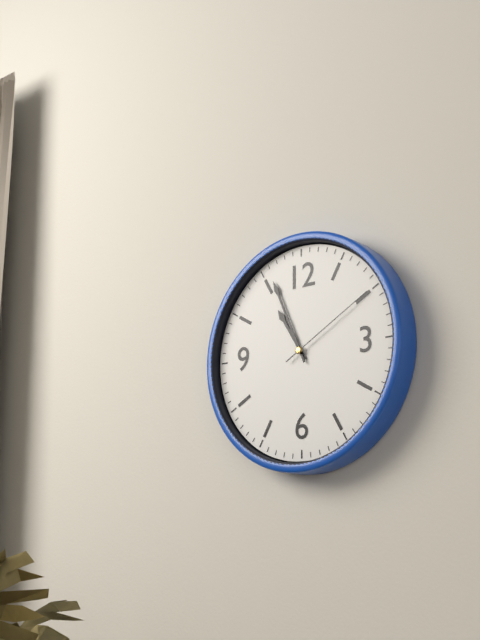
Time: 10h56m10s
